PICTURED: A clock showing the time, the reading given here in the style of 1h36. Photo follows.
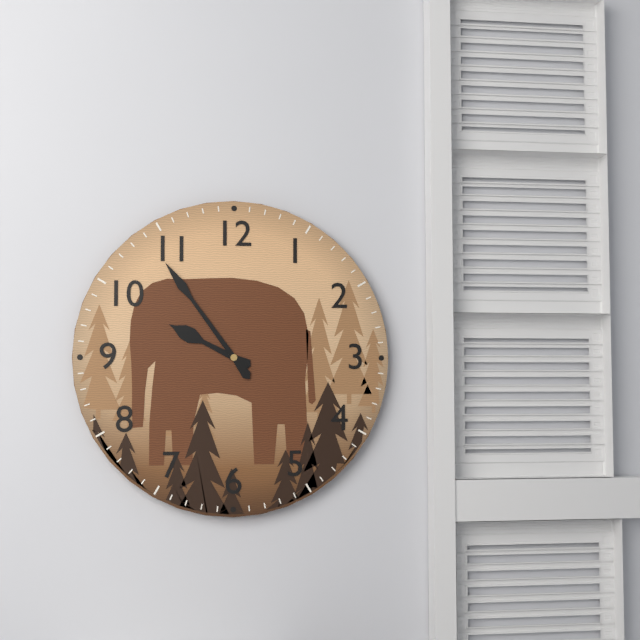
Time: 9h54
